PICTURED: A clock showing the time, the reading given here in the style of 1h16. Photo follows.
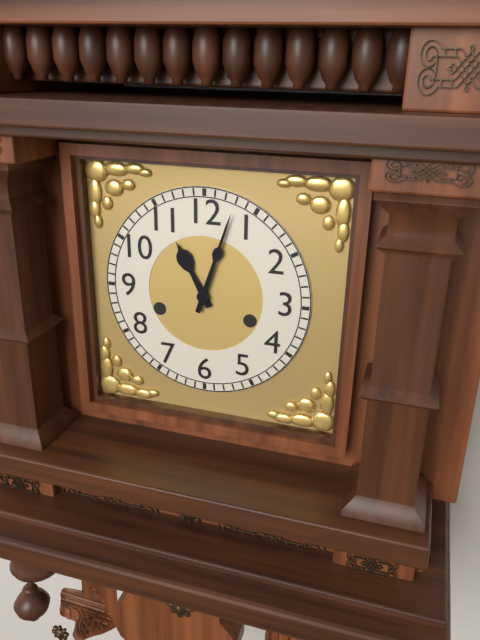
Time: 11h03
